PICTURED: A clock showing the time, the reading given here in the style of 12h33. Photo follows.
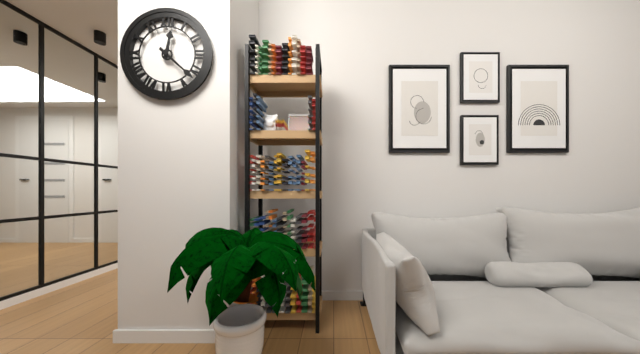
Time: 12h22
